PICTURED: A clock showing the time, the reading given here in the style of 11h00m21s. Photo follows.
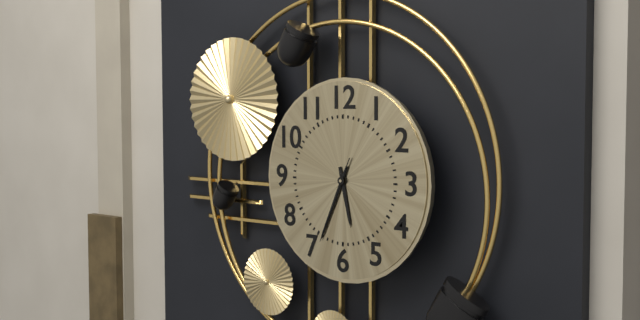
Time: 5h34m34s
